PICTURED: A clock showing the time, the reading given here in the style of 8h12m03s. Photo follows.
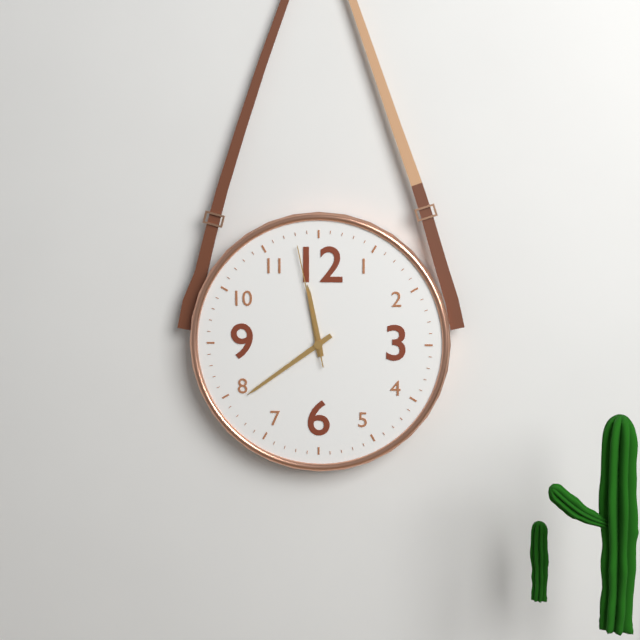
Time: 11h39m58s
